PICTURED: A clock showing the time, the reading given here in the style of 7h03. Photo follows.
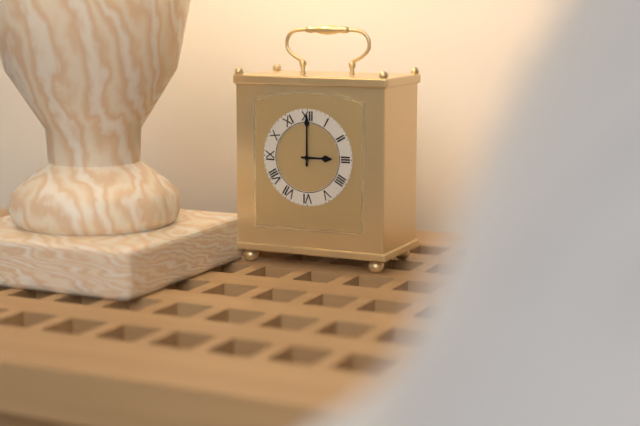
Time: 3h00
